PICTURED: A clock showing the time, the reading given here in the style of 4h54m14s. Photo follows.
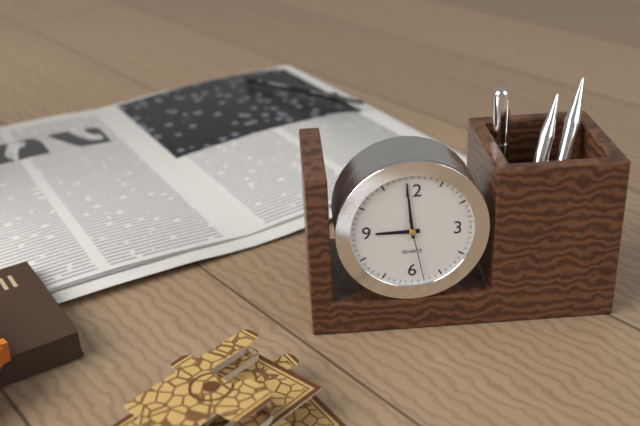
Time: 8h59m28s
